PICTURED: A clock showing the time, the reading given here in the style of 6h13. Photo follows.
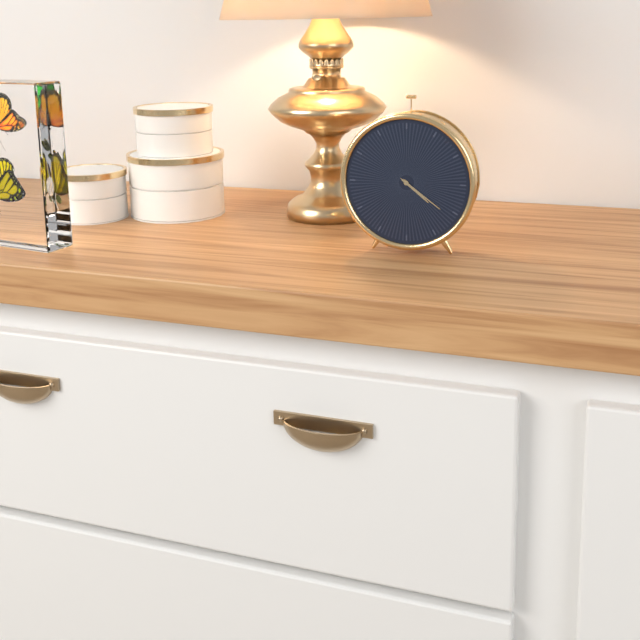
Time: 4h21
